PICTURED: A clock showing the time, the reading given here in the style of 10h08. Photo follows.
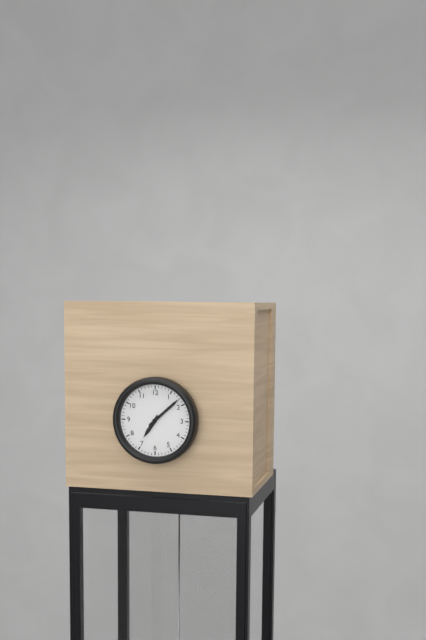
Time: 7h08
